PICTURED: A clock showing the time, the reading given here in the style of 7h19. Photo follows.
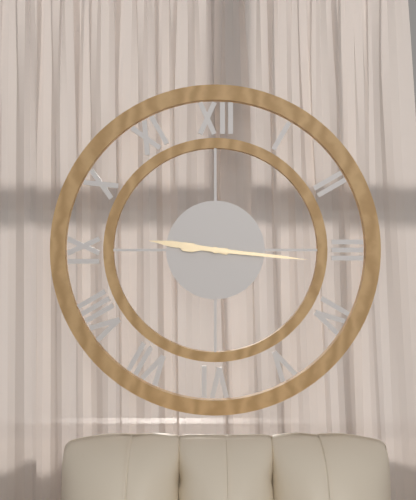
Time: 9h16
